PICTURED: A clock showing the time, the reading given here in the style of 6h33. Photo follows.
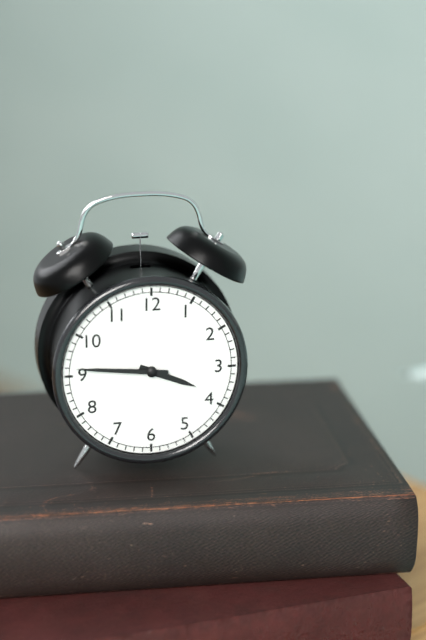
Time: 3h46
